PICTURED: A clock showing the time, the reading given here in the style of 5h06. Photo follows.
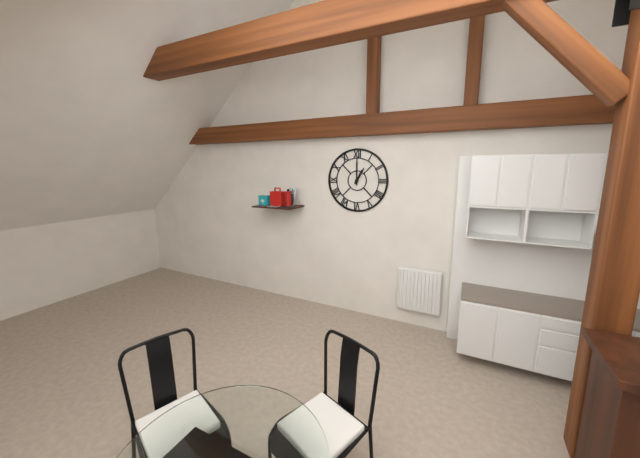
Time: 1h00
